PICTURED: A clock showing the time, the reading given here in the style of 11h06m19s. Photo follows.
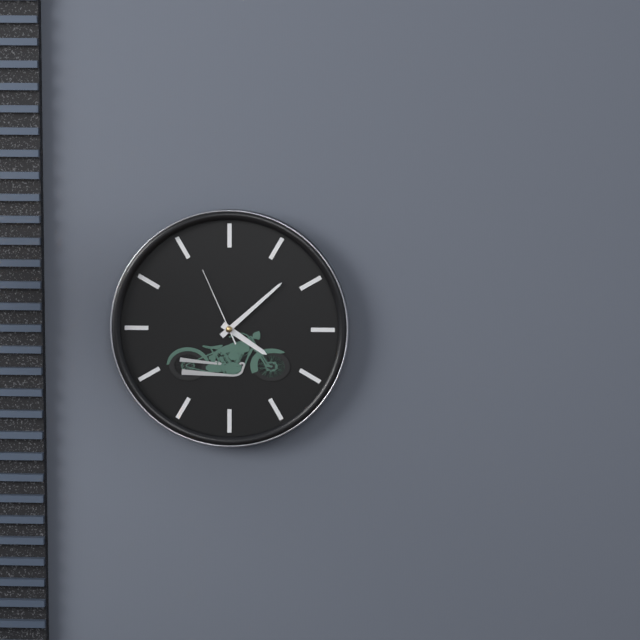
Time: 4h08m56s
